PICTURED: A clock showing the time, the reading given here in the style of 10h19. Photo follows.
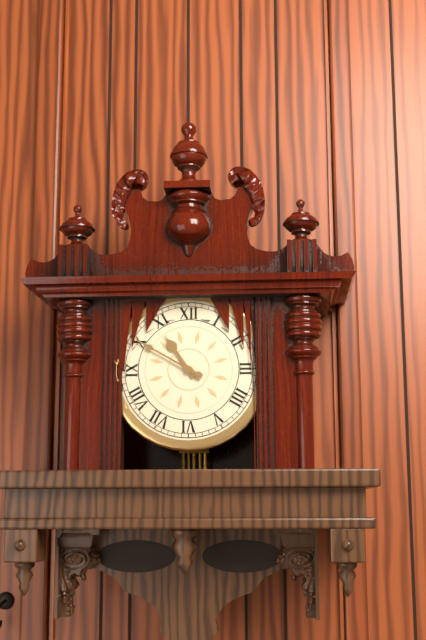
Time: 10h50
